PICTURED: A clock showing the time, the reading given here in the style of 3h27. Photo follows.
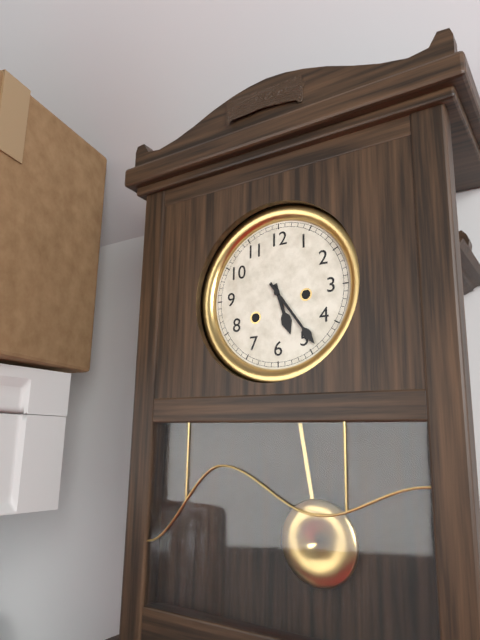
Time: 5h24
